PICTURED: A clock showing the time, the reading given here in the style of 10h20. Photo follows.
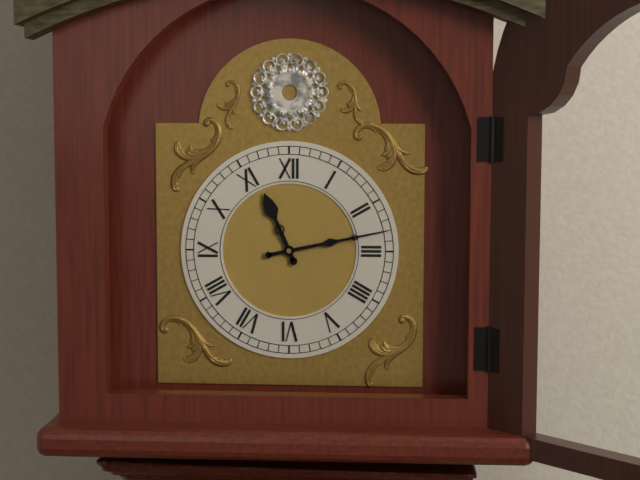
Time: 11h13
